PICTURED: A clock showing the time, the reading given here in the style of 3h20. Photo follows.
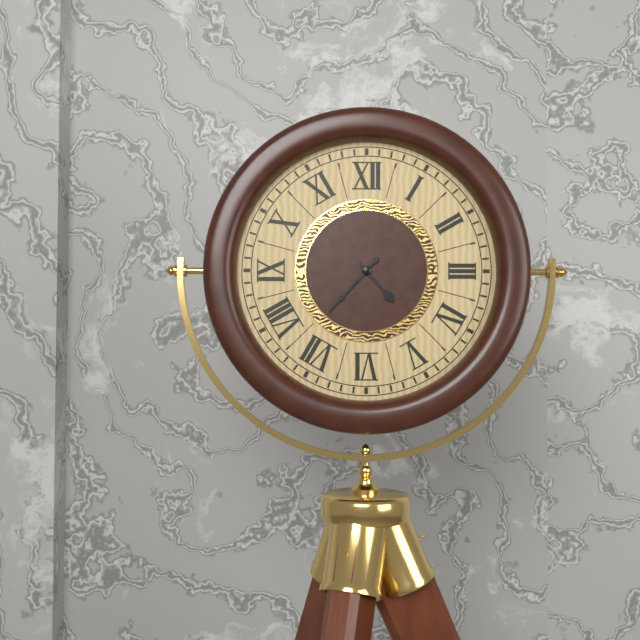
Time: 4h37
